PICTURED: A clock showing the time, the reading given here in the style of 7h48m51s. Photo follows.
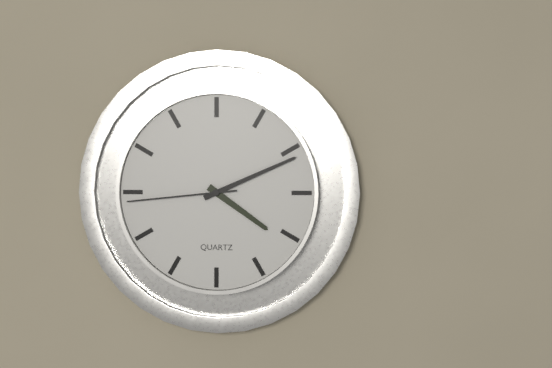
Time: 4h11m44s
